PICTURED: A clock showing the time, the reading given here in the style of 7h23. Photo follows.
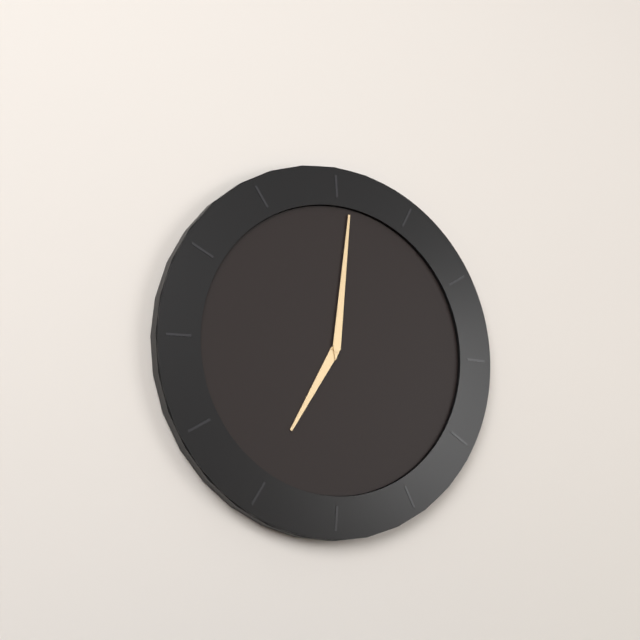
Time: 7h01
